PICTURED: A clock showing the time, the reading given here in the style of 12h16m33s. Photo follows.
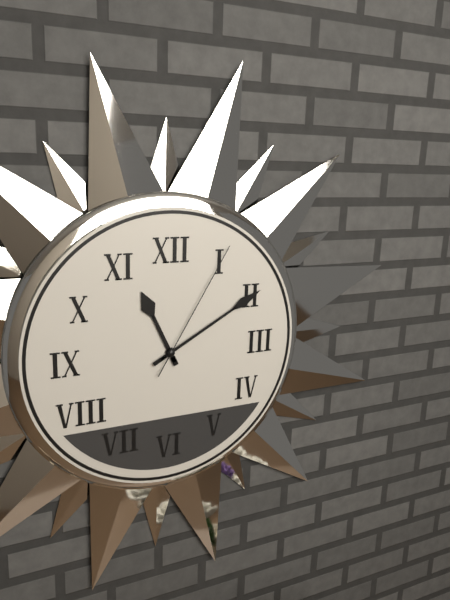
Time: 11h10m05s
